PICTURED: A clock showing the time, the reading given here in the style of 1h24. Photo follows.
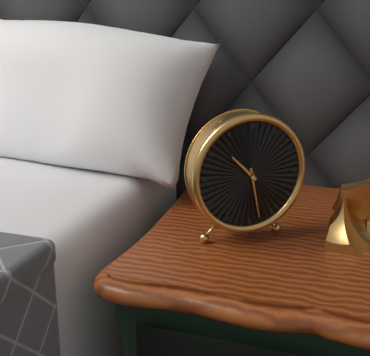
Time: 10h28
